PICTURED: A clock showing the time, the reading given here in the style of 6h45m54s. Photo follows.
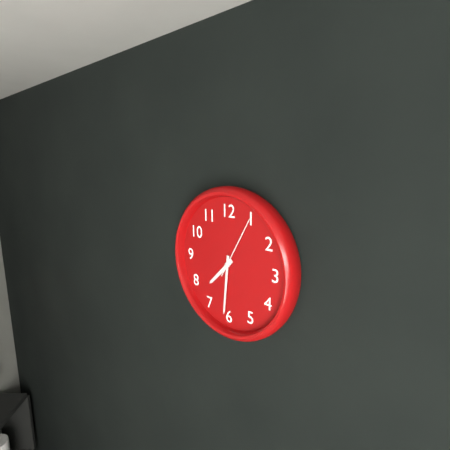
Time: 7h31m05s
